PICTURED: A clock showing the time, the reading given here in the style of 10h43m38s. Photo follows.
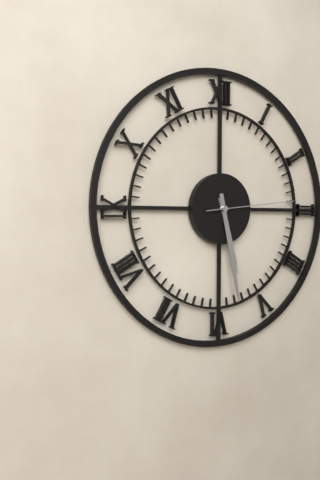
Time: 5h28m14s
